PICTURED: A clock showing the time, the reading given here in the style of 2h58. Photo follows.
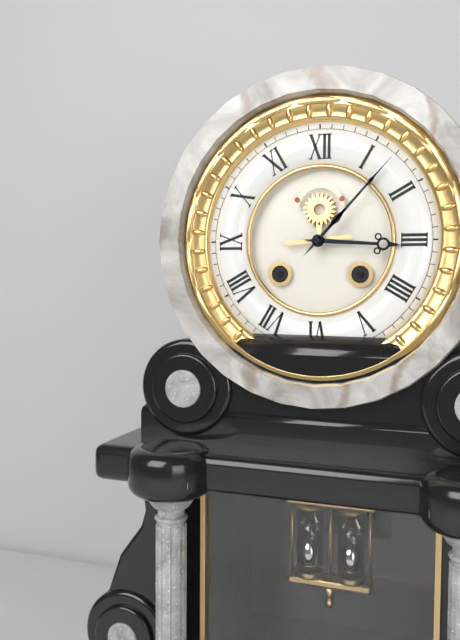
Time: 3h07
